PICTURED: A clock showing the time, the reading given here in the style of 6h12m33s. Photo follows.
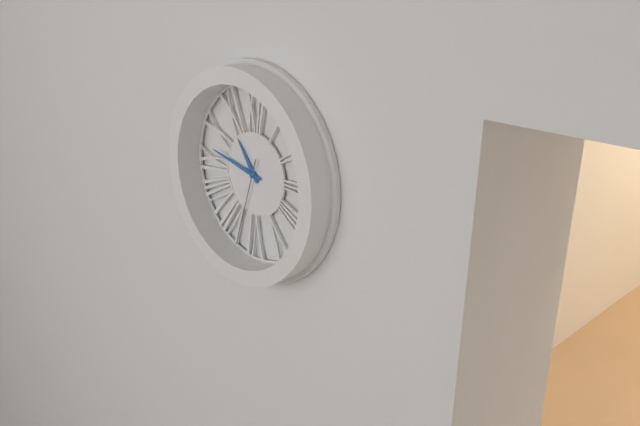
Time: 10h47m33s
